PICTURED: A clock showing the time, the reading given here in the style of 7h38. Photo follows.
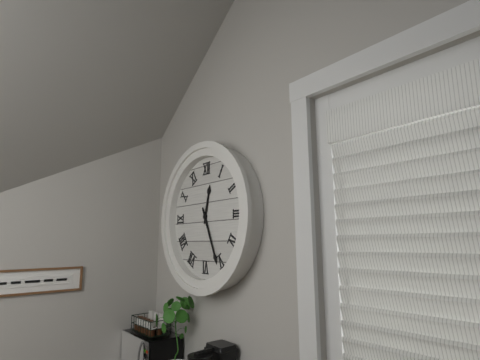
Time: 12h26
